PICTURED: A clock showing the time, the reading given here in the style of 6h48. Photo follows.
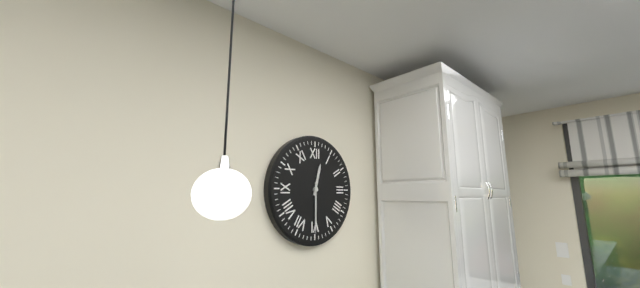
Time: 12h30
